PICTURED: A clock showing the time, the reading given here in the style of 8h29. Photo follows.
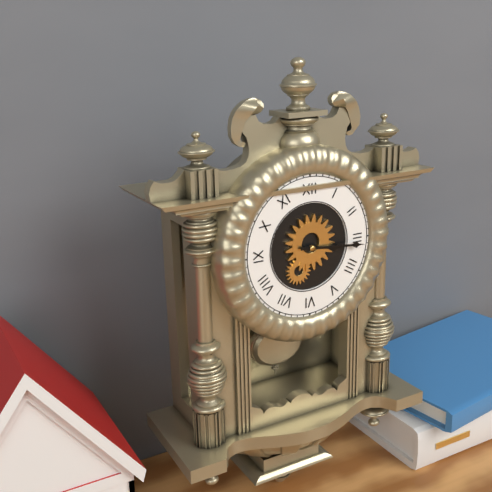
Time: 3h16
